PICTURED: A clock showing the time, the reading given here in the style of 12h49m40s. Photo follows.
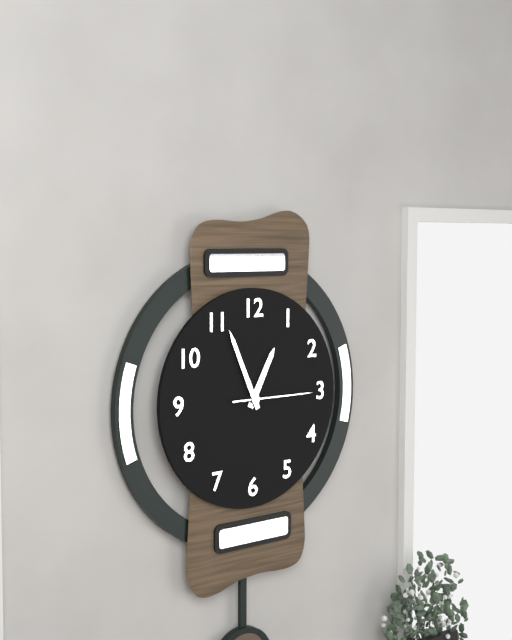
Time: 12h56m15s
